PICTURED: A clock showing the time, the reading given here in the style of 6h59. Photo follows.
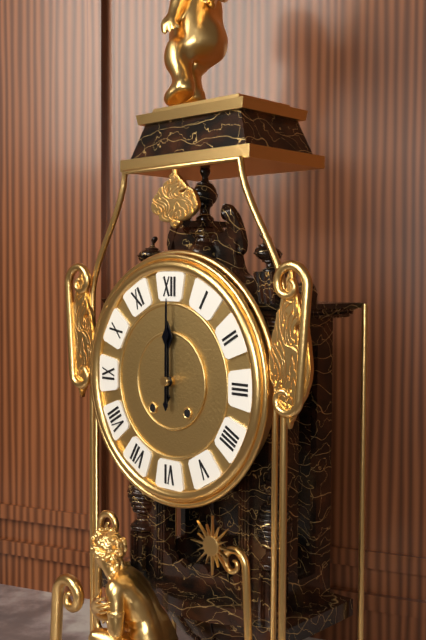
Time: 12h00
